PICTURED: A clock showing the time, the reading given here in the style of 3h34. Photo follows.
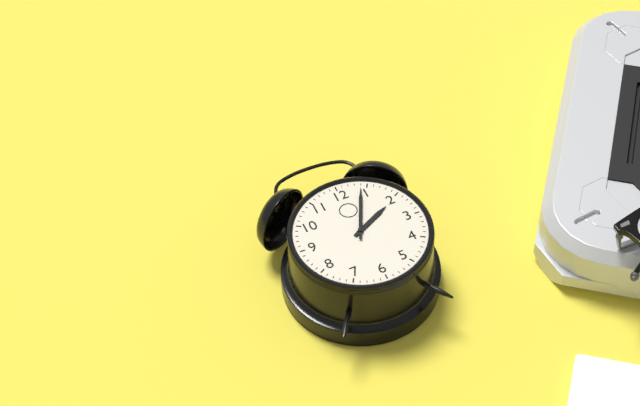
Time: 2h04
